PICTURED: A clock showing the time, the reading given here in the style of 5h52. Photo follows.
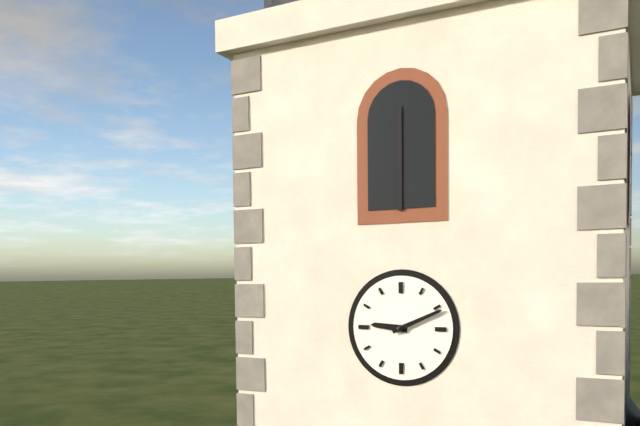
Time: 9h11
